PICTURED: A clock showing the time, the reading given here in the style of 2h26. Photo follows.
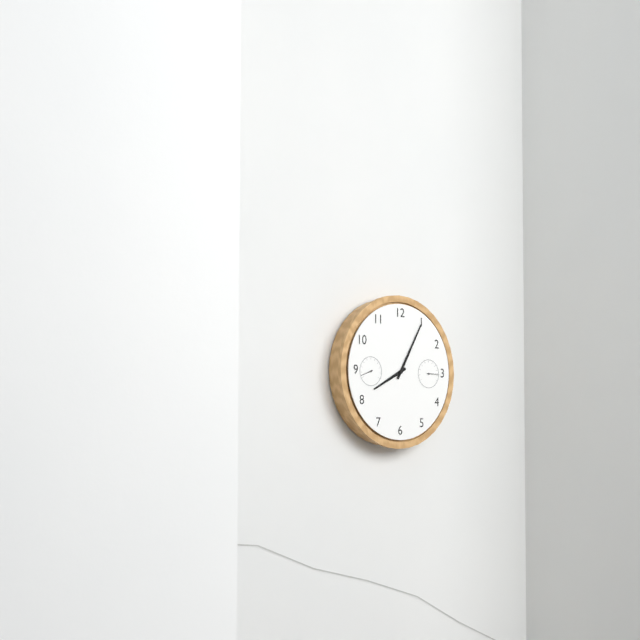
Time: 8h05
